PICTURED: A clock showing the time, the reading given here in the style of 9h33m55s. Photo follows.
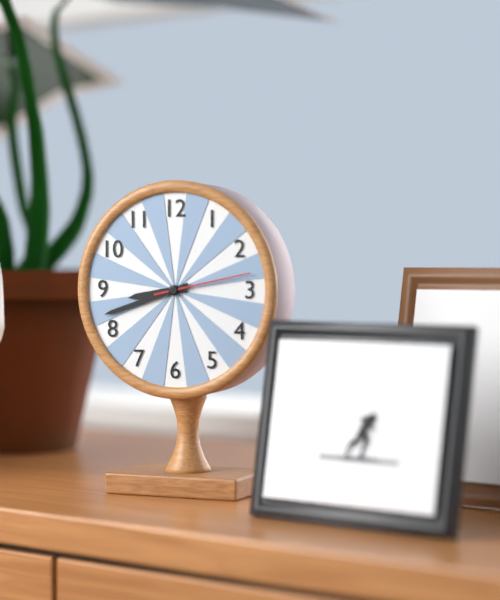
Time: 8h42m13s
